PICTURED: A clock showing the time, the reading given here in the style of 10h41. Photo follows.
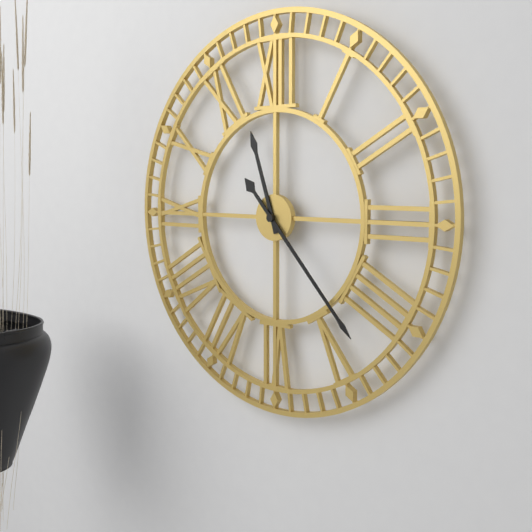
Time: 11h23
